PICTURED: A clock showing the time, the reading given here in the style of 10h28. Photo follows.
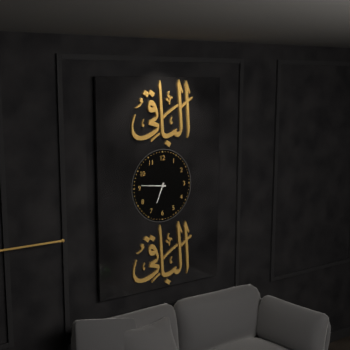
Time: 6h46
